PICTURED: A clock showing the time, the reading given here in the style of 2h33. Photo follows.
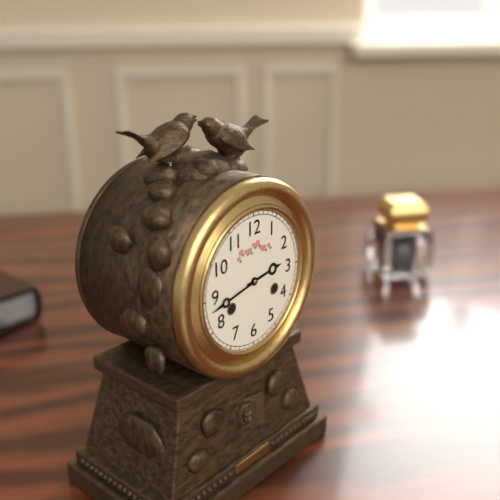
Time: 2h43
